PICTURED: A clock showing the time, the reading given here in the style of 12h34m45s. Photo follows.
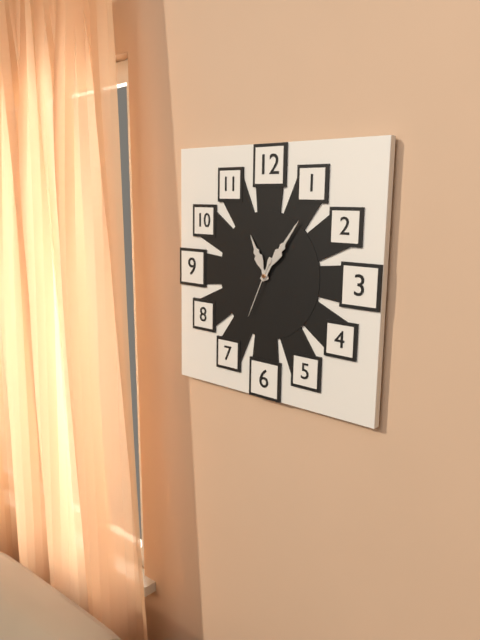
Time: 11h06m34s
